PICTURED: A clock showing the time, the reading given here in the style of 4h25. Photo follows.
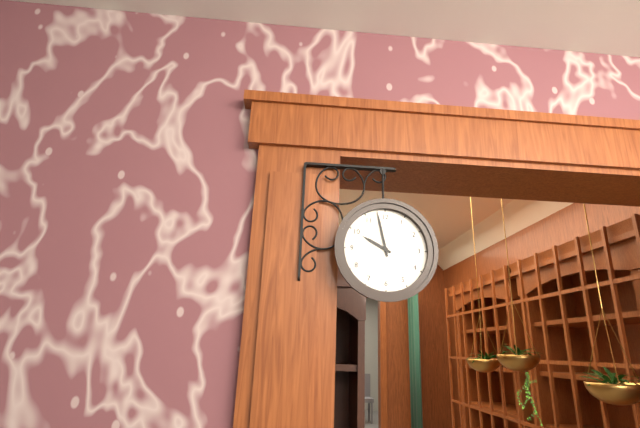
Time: 9h58
